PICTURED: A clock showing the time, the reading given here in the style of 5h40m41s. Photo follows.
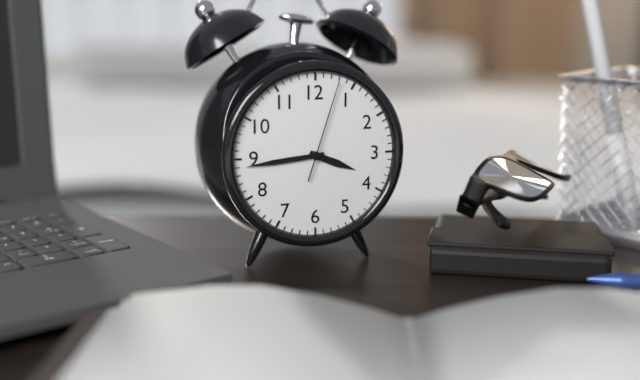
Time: 3h44m03s
